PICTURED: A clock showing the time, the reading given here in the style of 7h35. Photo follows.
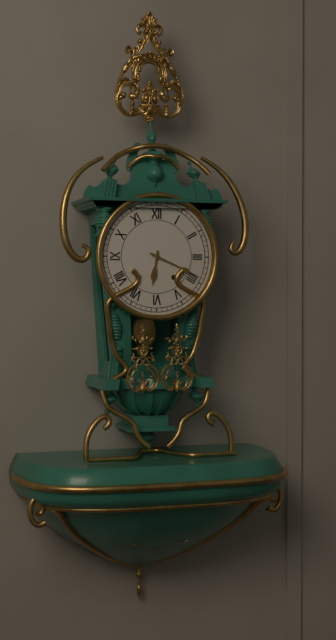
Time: 6h19
